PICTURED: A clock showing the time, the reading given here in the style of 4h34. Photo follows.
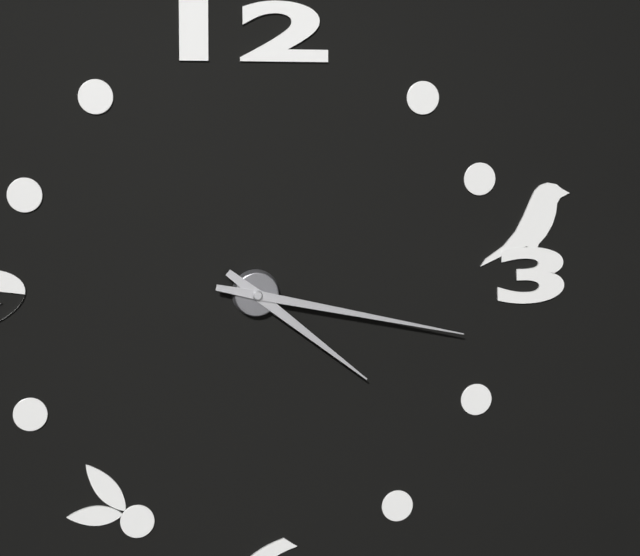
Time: 4h17
